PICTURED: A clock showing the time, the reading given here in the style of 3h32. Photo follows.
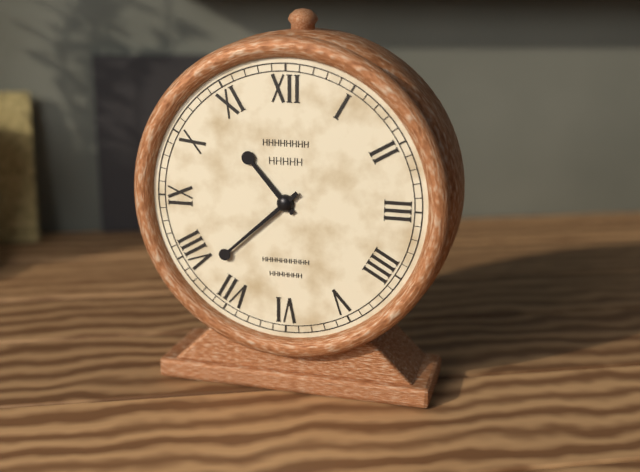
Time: 10h38
